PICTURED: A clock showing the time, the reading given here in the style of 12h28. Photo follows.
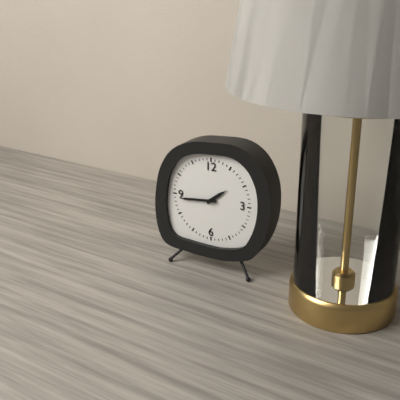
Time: 1h44
